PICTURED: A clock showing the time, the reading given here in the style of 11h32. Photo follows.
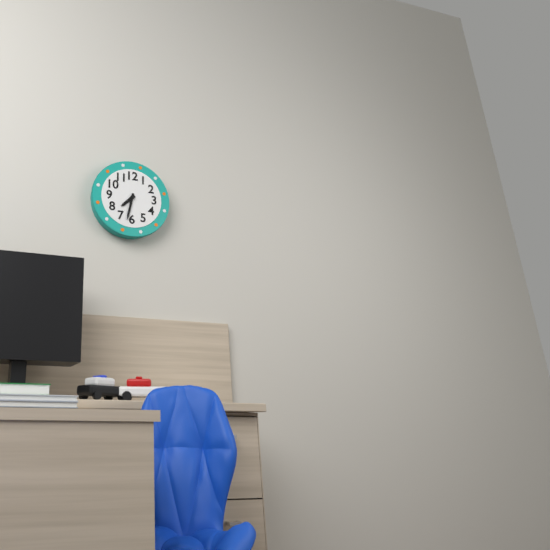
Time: 7h32
